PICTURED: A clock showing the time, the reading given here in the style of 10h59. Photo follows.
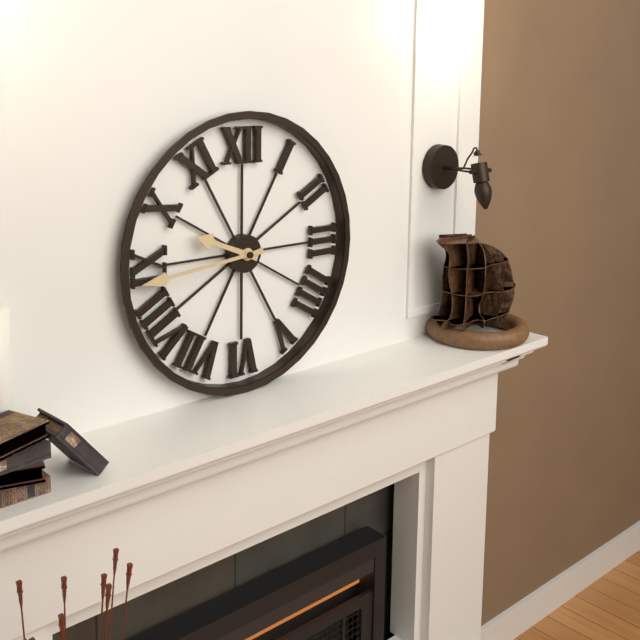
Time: 9h44
